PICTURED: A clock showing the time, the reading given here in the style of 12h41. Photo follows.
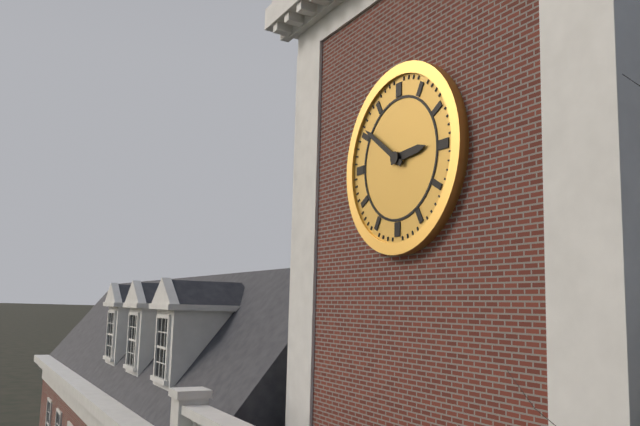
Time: 2h51
